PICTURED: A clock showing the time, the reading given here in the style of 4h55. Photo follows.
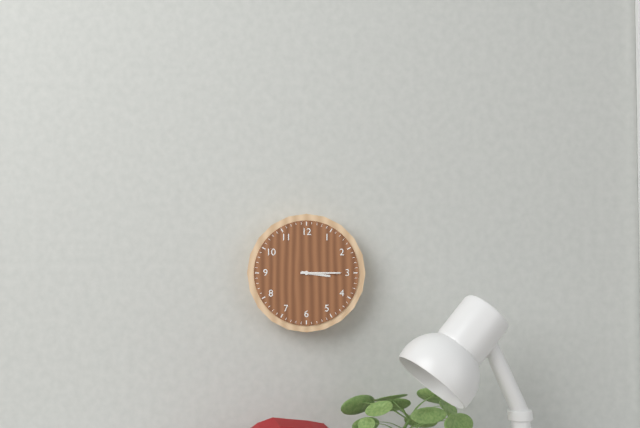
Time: 3h15
